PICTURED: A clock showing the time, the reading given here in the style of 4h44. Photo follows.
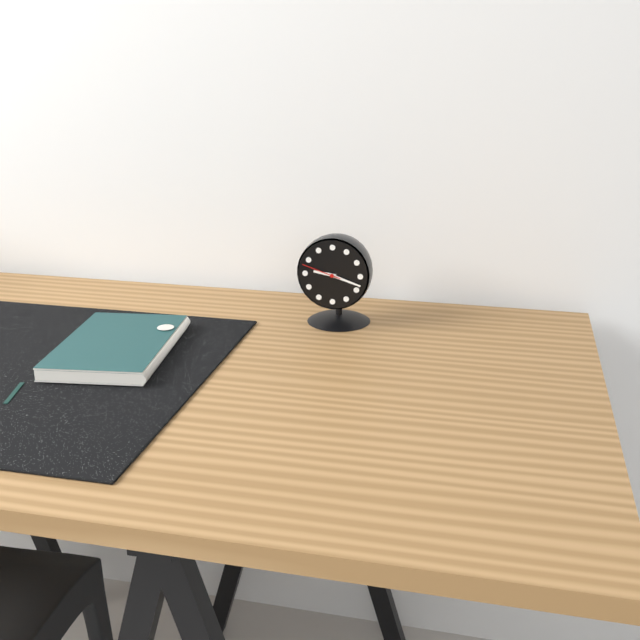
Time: 9h18
